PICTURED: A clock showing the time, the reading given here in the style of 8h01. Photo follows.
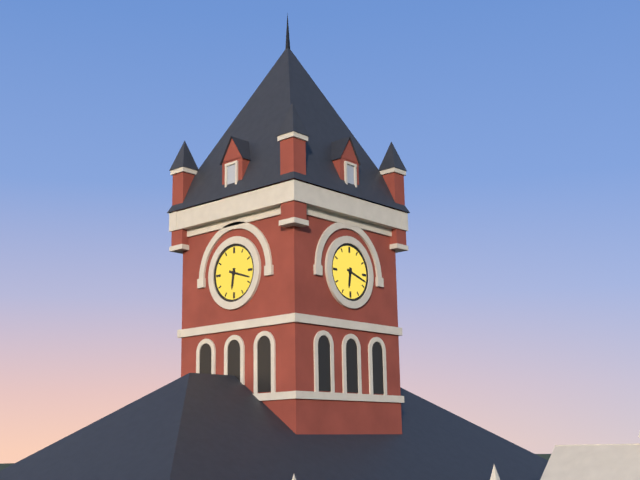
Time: 6h18
